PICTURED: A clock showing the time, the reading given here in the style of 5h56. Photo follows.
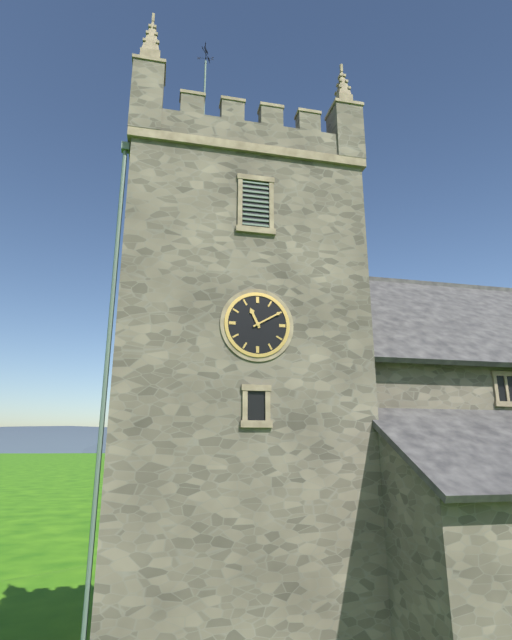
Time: 11h10
